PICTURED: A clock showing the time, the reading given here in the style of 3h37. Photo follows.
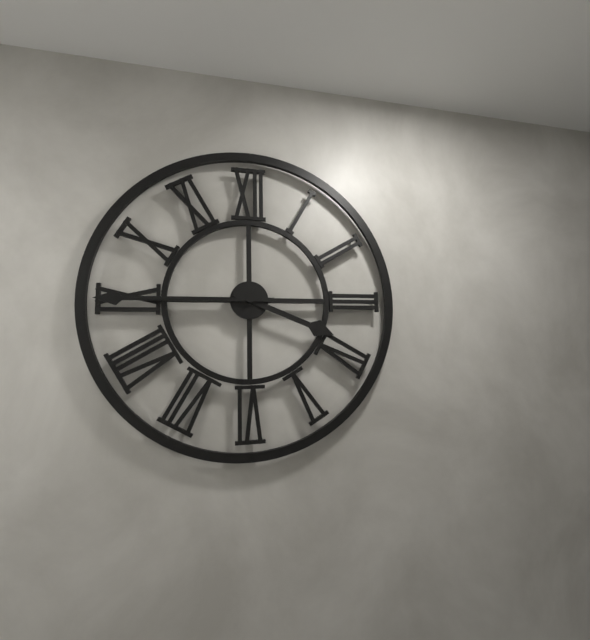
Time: 3h45
